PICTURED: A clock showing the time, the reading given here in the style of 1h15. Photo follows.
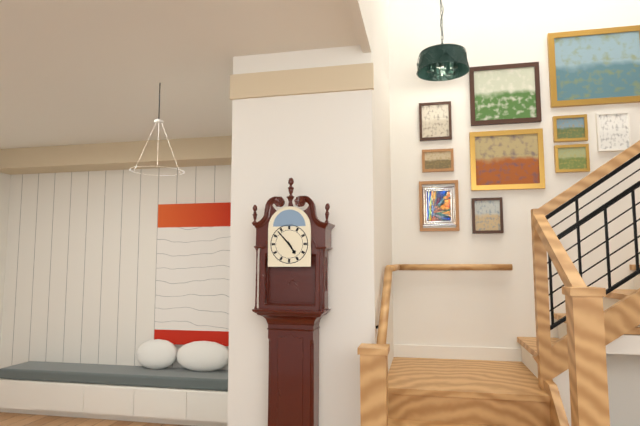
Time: 4h53
